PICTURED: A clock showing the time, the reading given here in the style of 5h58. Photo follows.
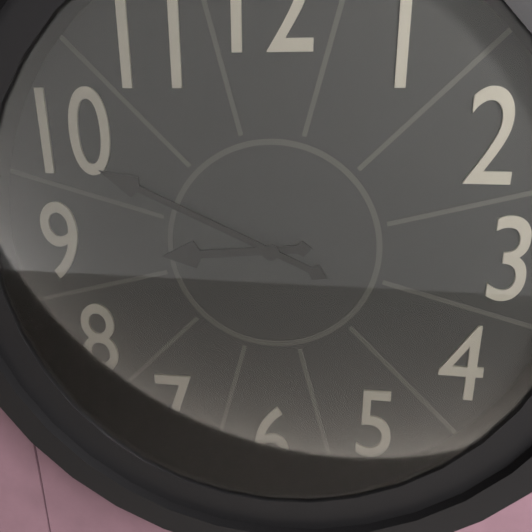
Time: 8h49
